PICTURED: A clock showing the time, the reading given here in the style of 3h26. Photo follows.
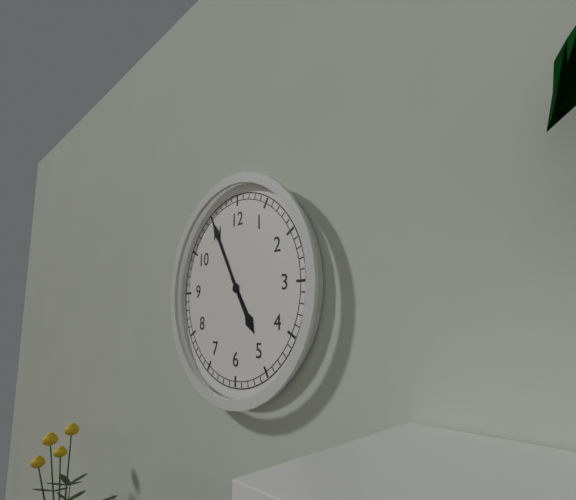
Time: 4h55
